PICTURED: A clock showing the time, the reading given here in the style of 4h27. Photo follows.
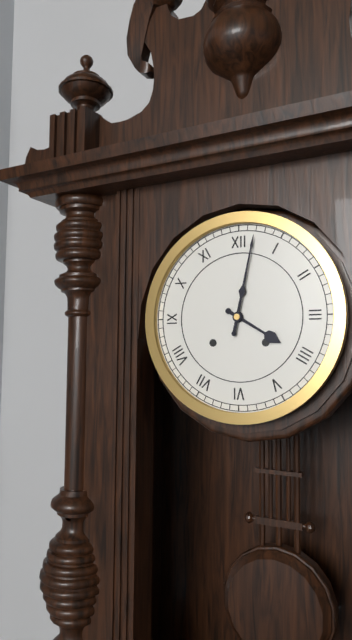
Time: 4h02
